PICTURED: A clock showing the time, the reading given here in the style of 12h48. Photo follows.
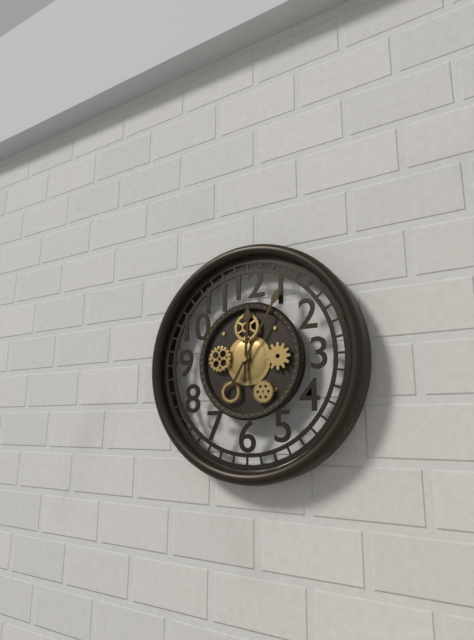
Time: 12h05
